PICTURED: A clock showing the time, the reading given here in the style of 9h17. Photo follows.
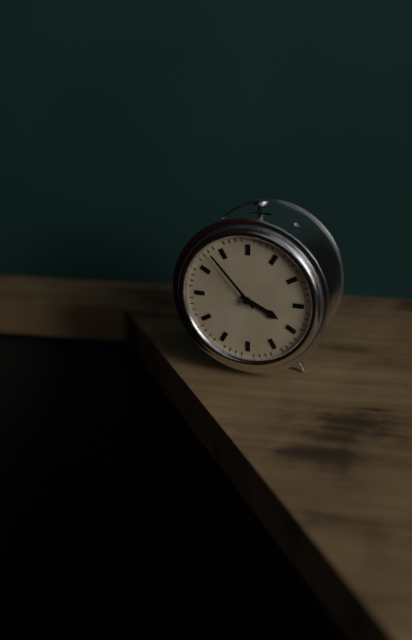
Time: 3h53
